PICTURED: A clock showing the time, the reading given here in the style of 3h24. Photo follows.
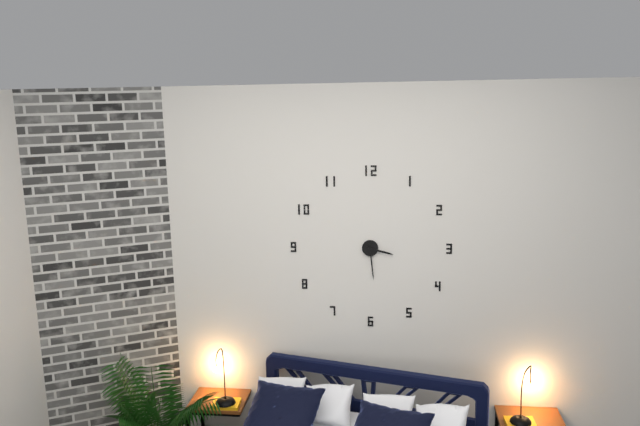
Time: 3h29
